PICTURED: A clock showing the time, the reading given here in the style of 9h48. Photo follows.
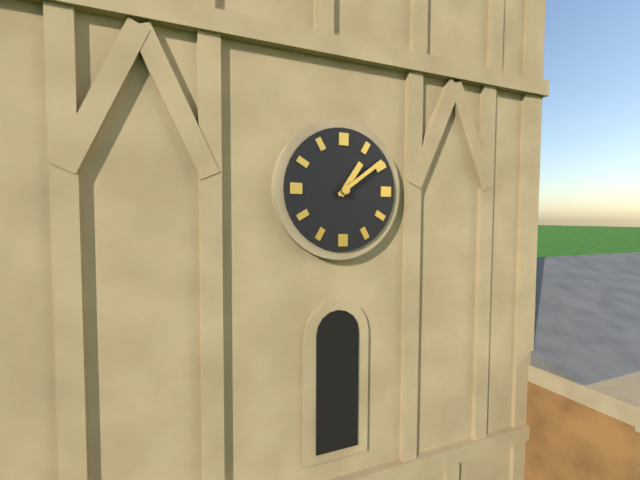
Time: 1h09
